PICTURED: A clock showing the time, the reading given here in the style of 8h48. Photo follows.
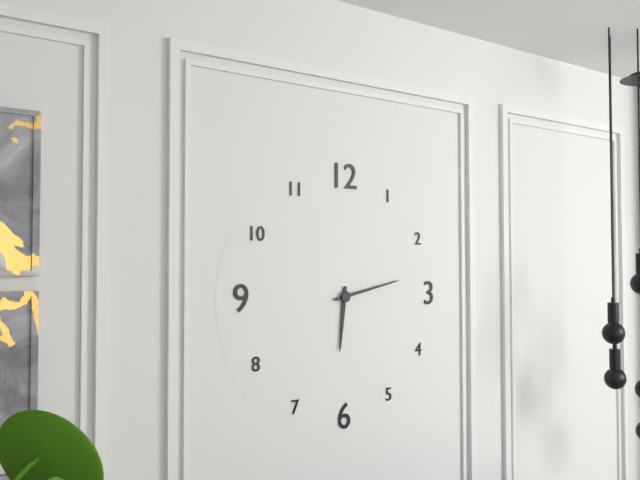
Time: 6h13
